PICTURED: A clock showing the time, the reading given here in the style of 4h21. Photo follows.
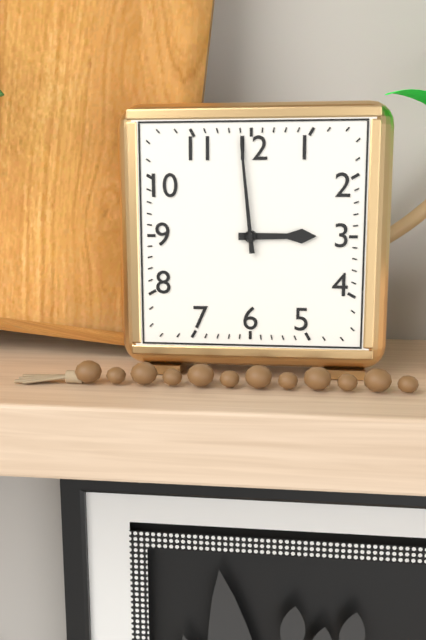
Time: 2h59
